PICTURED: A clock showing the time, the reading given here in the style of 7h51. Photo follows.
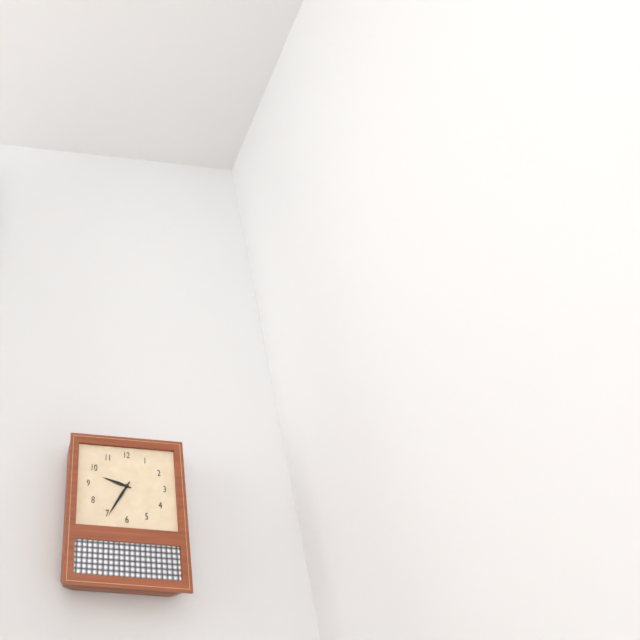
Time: 9h35
